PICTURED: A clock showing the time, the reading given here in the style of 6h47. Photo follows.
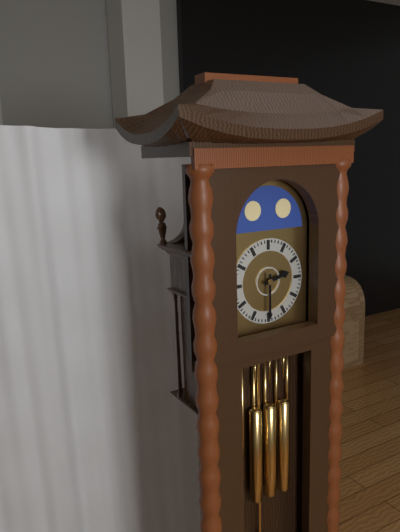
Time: 2h30
